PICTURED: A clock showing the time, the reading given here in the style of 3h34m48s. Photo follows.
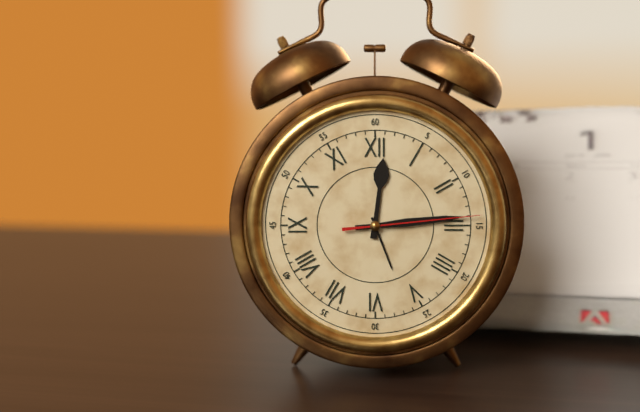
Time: 12h14m14s
